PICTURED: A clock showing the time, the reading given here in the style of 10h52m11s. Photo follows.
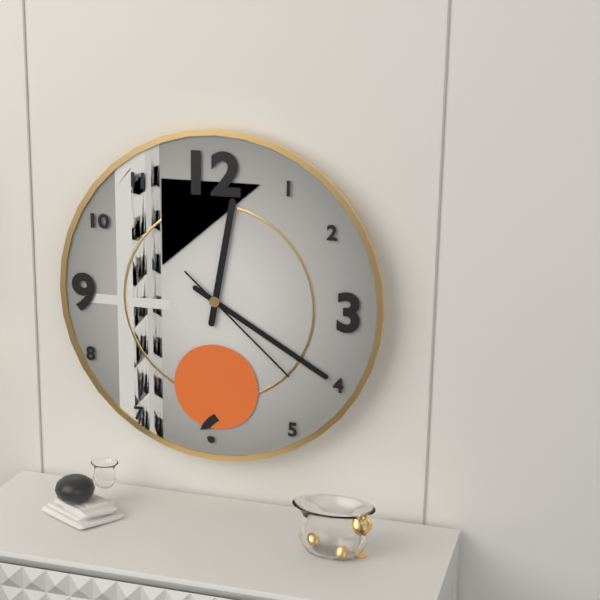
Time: 12h20m22s
